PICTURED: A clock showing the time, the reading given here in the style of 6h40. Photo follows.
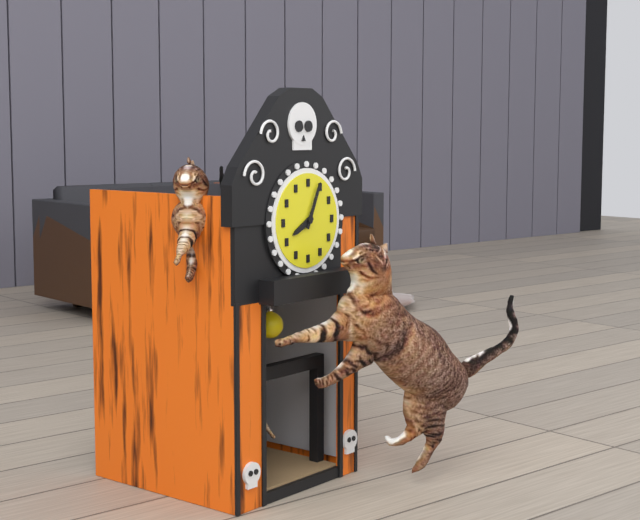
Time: 8h04
